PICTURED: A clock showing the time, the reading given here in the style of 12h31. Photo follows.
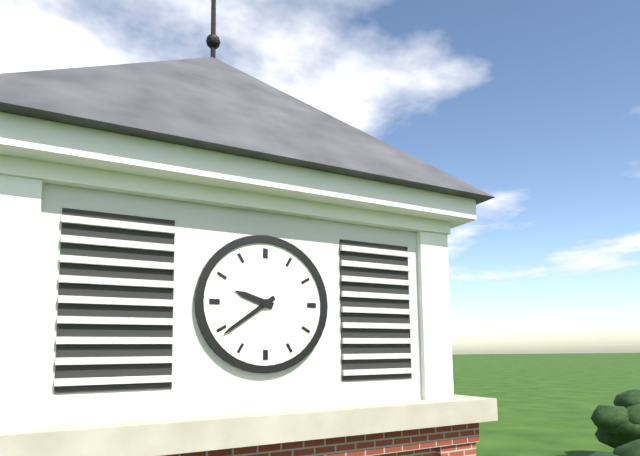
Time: 9h39
